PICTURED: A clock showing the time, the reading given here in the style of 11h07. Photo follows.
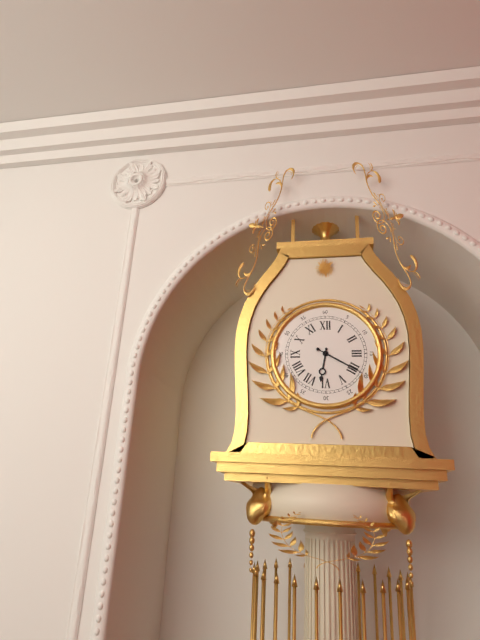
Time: 6h20
